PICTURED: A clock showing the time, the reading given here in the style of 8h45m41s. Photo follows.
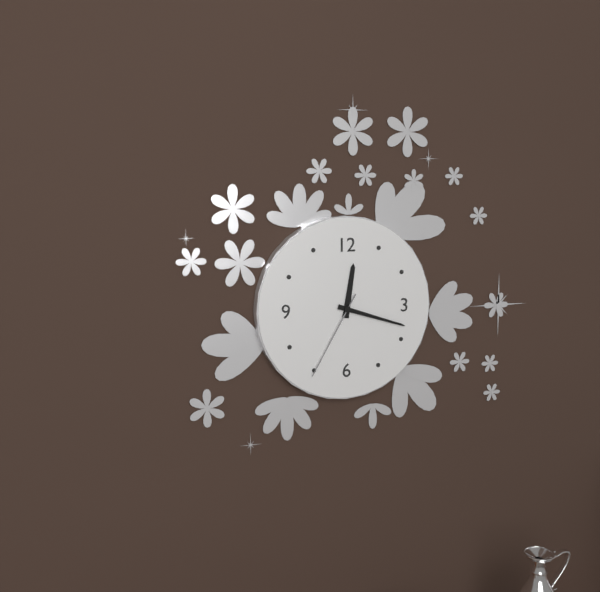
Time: 12h18m35s
